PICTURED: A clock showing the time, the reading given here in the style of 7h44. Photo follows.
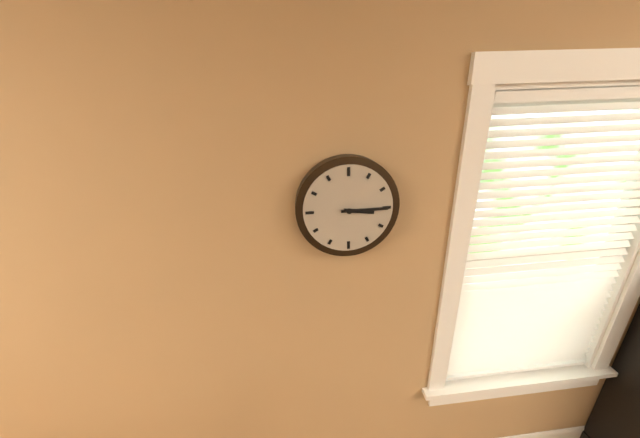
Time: 3h15
